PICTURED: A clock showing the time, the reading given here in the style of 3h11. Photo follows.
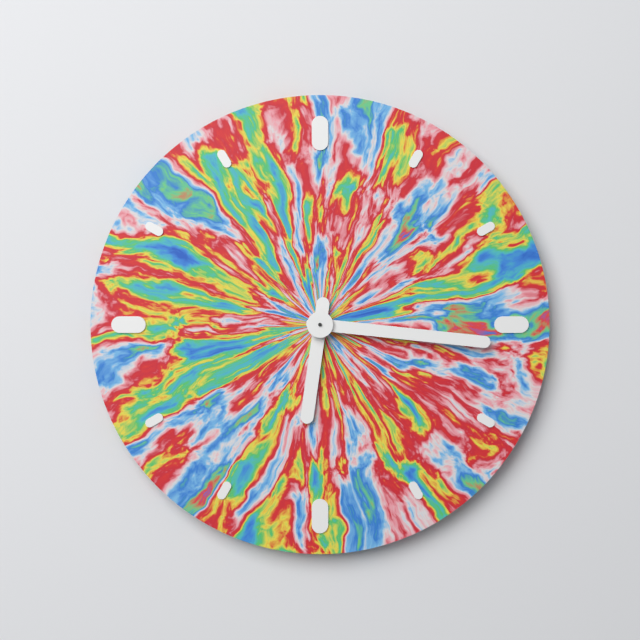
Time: 6h16
